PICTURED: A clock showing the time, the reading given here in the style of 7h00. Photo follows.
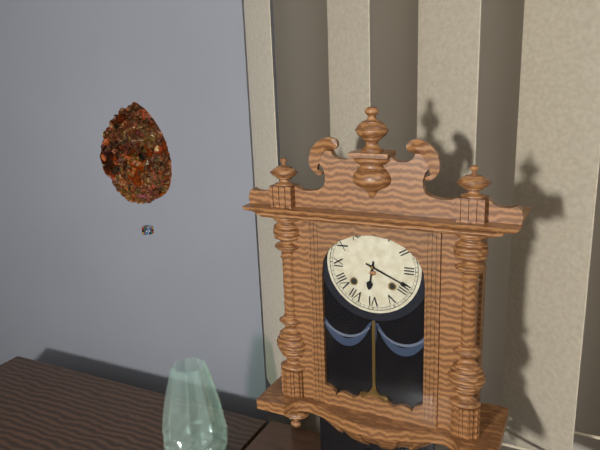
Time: 6h19
